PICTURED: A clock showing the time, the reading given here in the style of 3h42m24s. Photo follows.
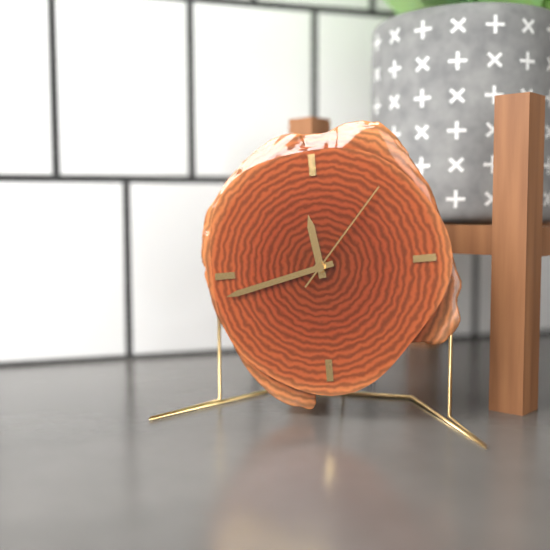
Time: 11h43m07s
